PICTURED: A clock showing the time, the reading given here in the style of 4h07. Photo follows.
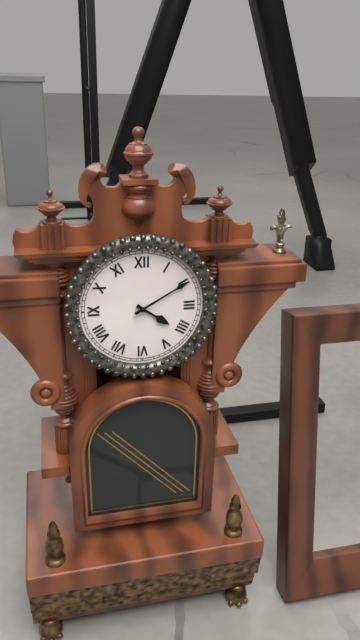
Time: 4h10
